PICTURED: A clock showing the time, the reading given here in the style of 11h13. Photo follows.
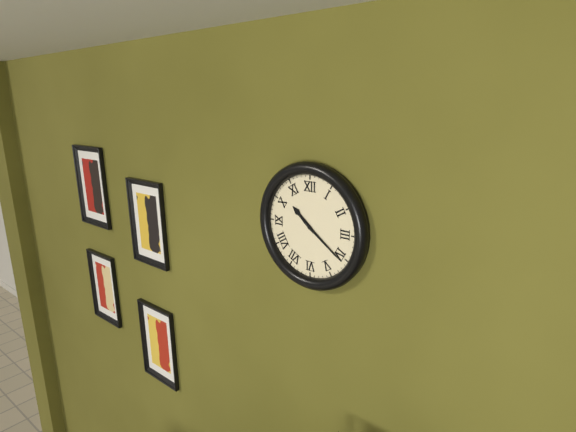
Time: 10h21
